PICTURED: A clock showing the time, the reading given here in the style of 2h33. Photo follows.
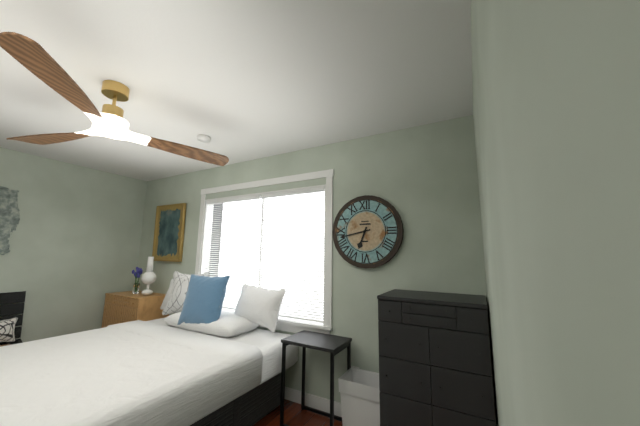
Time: 6h43
